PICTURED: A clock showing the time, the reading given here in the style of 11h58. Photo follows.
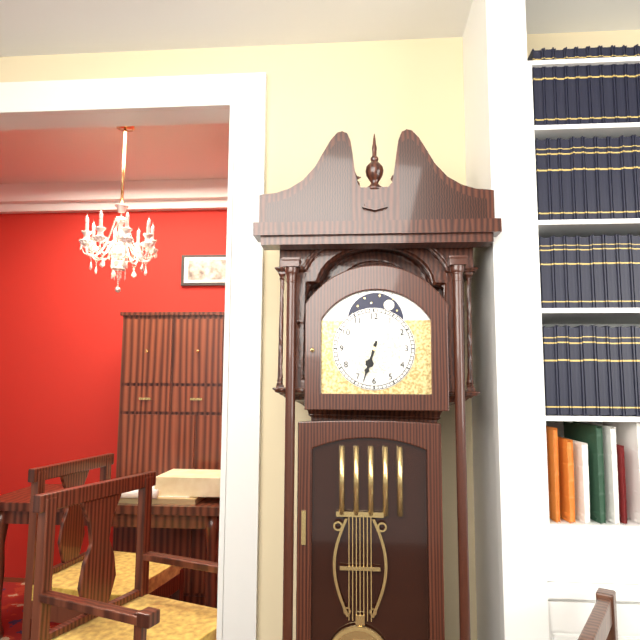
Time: 6h33
